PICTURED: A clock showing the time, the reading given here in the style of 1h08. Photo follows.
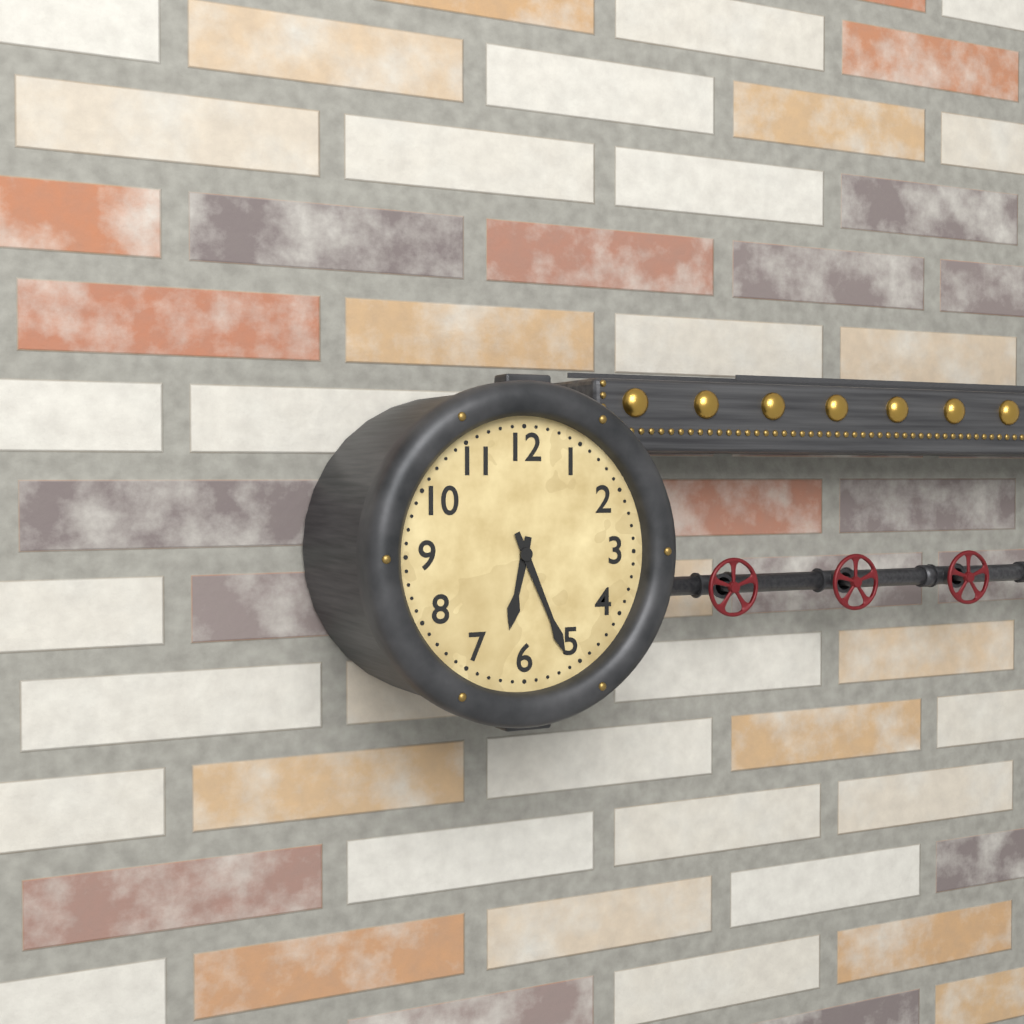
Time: 6h26
